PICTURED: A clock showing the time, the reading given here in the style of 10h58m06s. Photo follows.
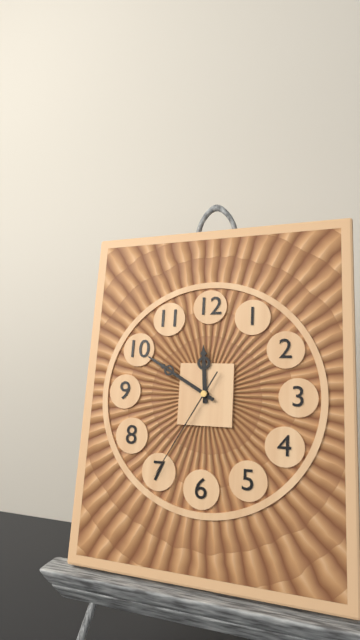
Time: 11h50m35s
